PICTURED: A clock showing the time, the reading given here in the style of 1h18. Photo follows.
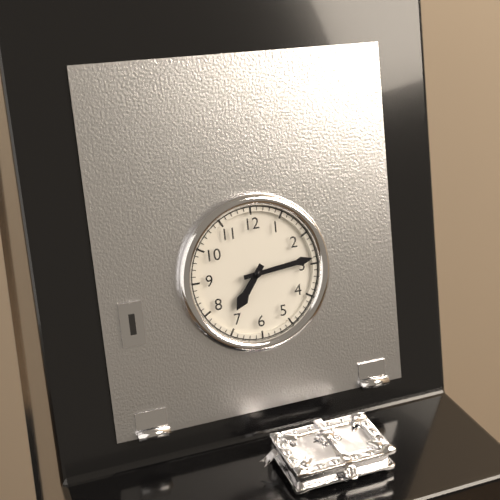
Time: 7h14
